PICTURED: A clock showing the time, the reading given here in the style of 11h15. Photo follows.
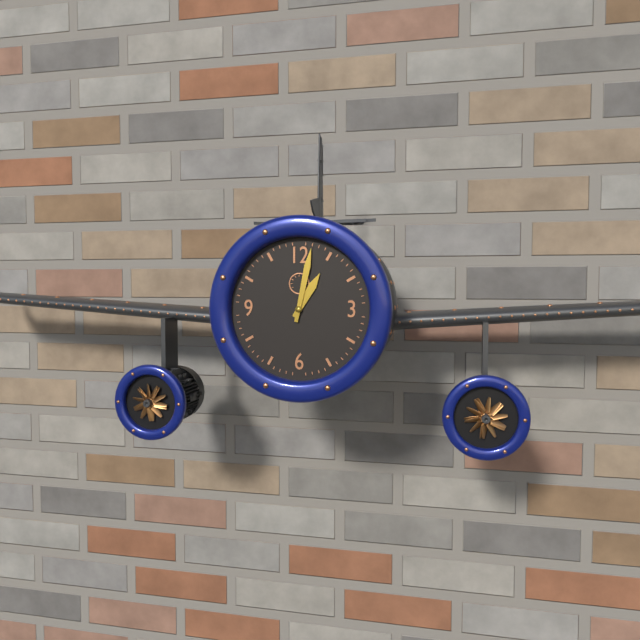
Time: 1h02
